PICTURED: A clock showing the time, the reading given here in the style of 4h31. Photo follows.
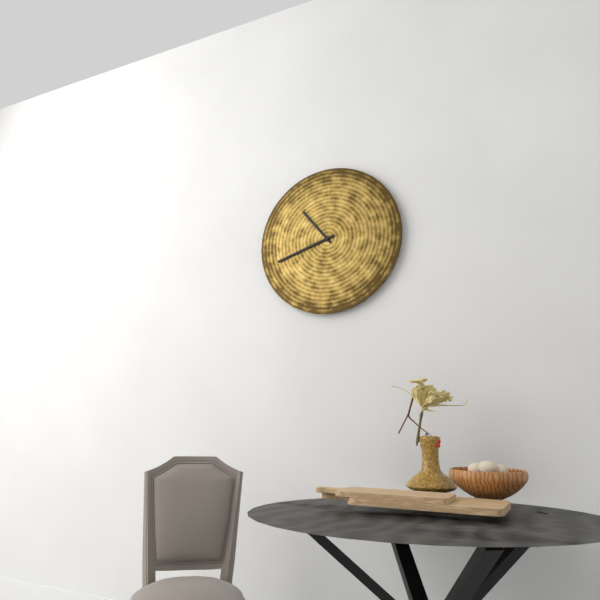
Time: 10h42
